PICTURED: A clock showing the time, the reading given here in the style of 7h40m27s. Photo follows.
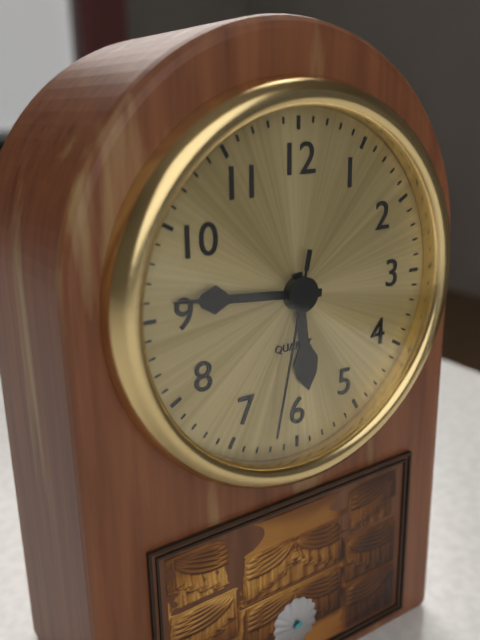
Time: 5h46m32s
